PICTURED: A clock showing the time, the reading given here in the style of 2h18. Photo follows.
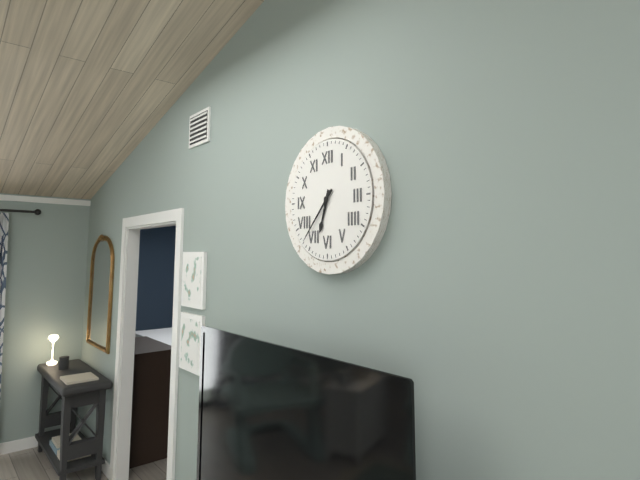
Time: 6h37
